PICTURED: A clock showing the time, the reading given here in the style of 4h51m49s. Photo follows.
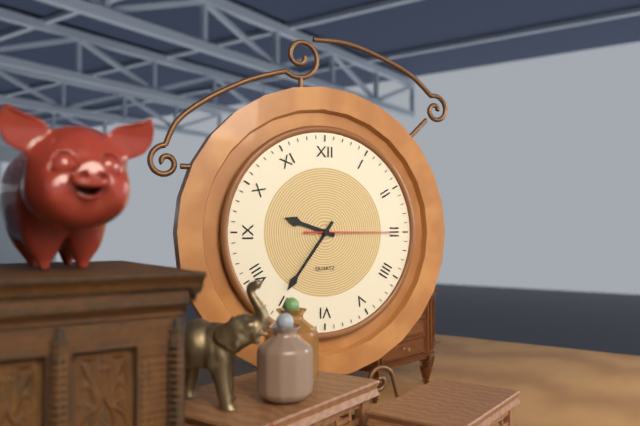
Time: 9h36m15s
